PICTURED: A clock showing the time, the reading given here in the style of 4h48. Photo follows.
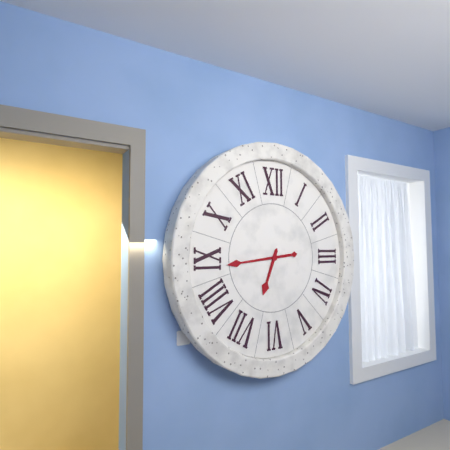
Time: 6h44
